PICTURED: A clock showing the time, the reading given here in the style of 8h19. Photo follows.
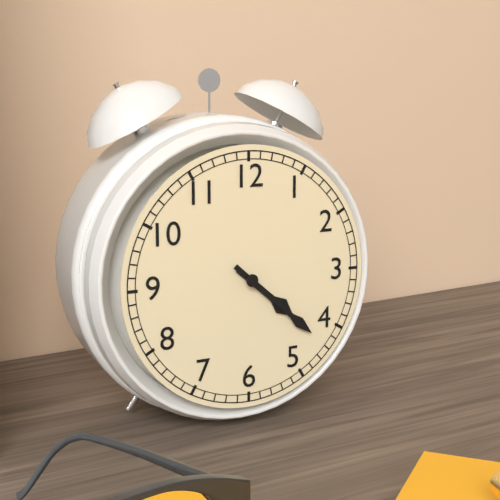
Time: 4h22
